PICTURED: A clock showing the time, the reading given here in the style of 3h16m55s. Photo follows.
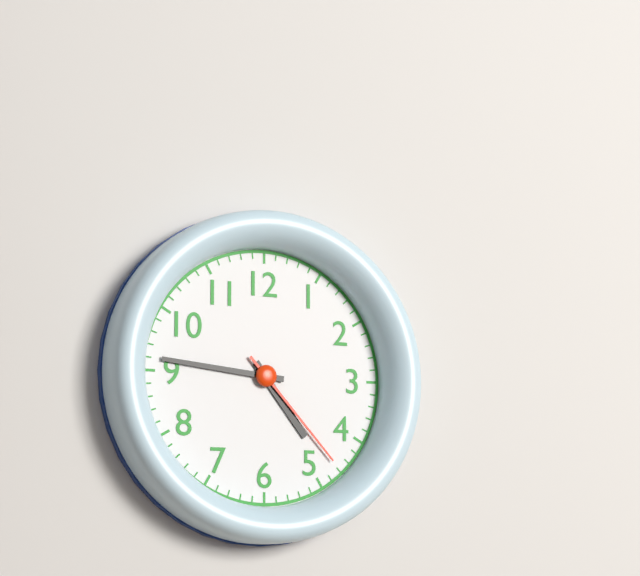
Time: 4h46m23s
